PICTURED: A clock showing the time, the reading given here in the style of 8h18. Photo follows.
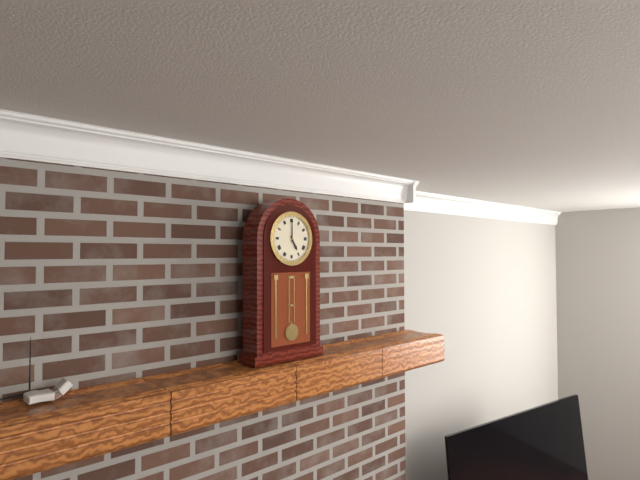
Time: 5h00
